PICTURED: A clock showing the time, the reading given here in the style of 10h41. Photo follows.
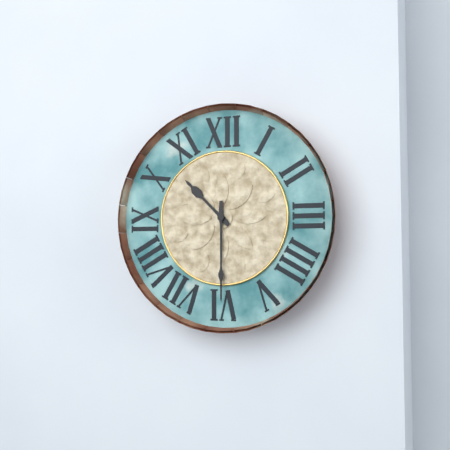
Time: 10h30
